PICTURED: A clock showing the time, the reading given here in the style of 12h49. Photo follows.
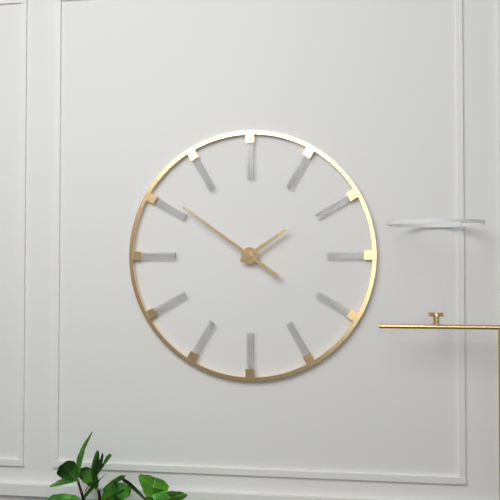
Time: 1h51
